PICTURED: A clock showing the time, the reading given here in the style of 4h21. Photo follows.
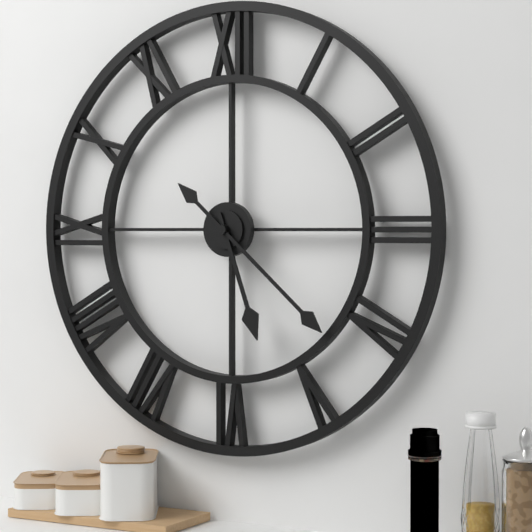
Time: 5h22
